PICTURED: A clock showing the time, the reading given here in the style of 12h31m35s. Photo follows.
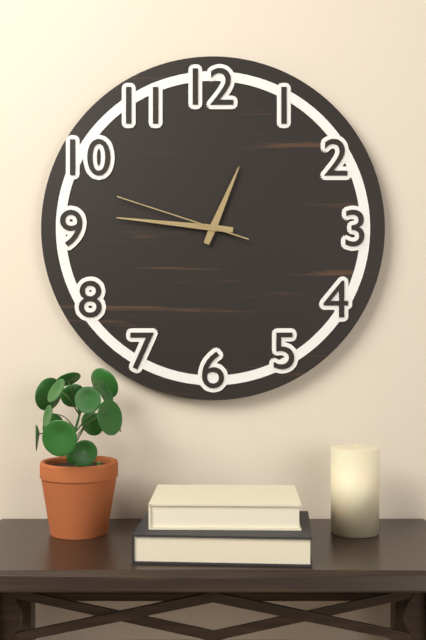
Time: 12h46m48s
